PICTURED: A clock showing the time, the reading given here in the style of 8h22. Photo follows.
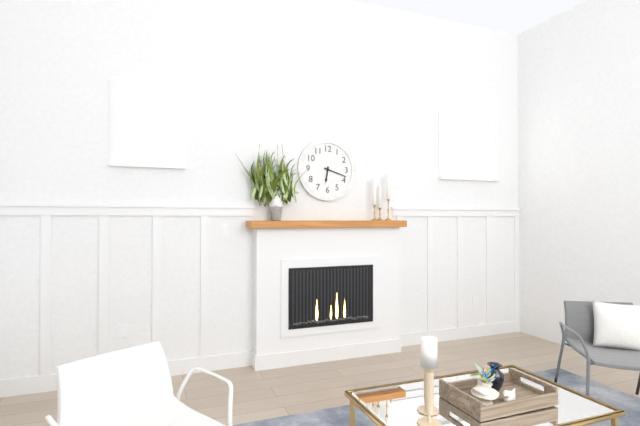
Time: 6h18
